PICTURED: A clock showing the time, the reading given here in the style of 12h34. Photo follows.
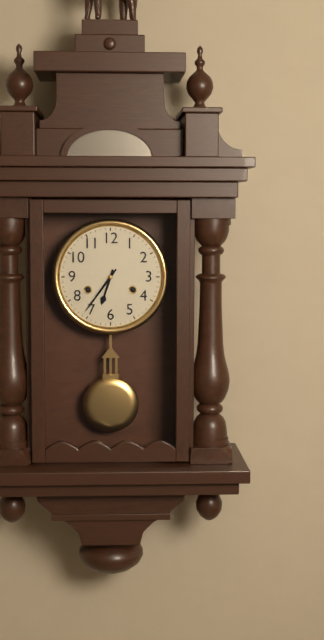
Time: 6h36
